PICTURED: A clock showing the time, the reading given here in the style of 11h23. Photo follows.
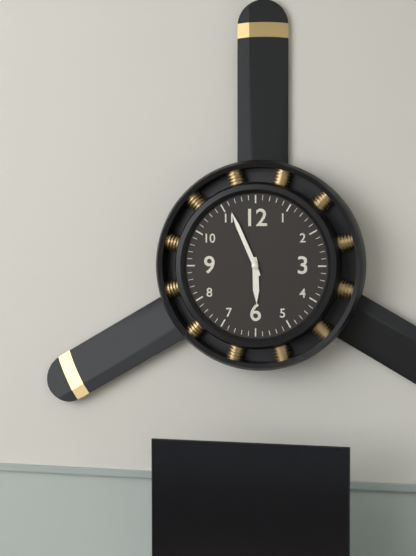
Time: 5h56
